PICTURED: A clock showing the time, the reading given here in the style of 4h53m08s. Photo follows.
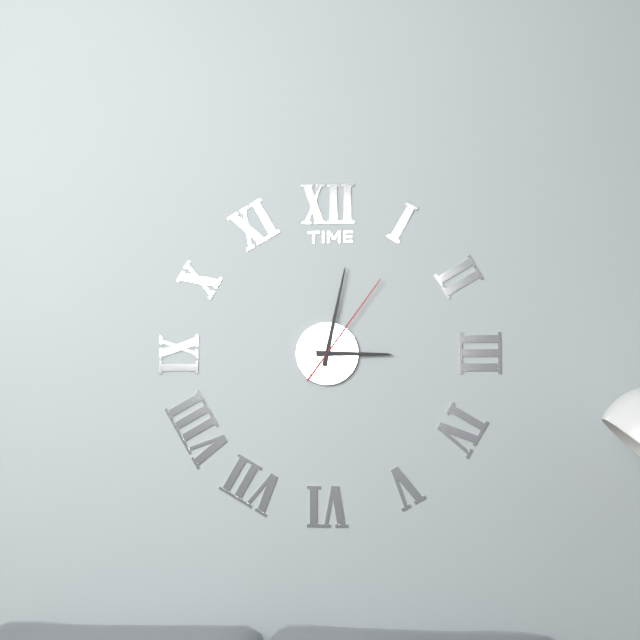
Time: 3h02m06s
